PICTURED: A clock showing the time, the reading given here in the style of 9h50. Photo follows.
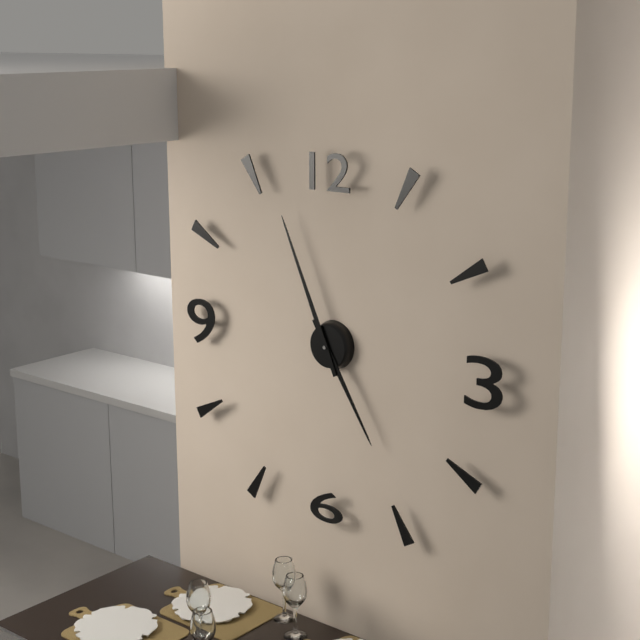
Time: 4h56
